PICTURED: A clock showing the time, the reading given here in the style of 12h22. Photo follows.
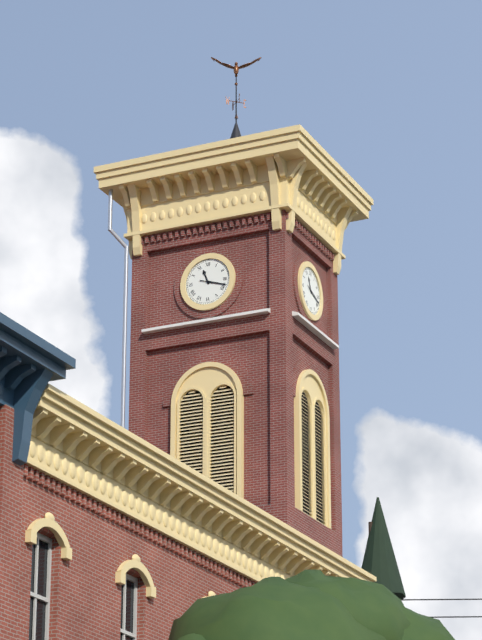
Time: 11h18
